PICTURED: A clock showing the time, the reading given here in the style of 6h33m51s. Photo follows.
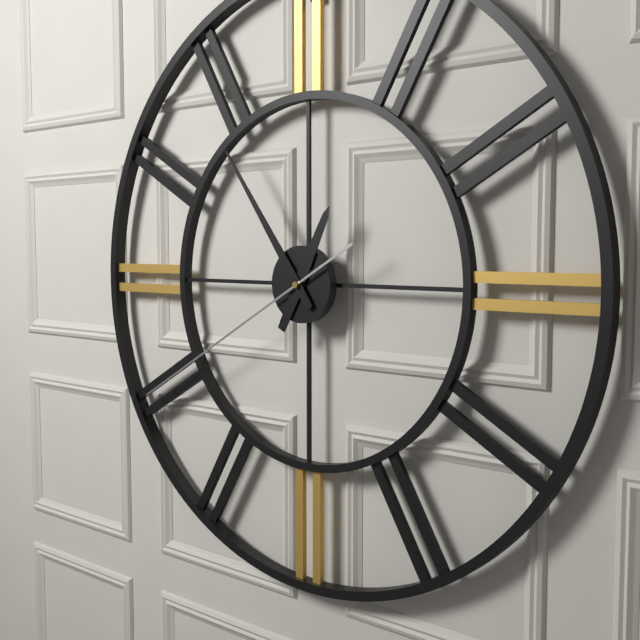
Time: 12h54m40s
